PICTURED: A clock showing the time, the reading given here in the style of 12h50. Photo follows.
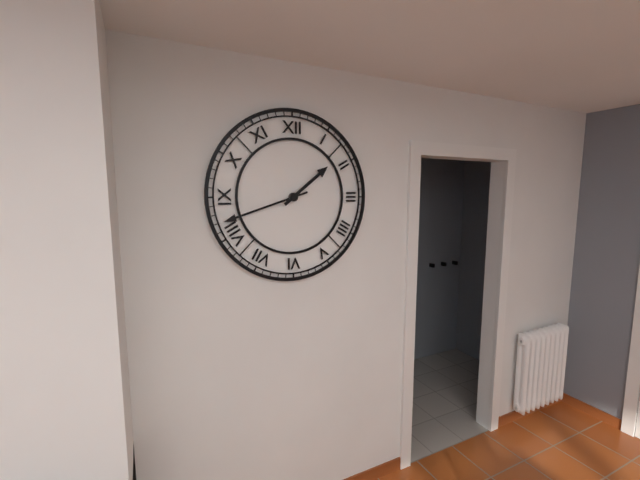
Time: 1h42
